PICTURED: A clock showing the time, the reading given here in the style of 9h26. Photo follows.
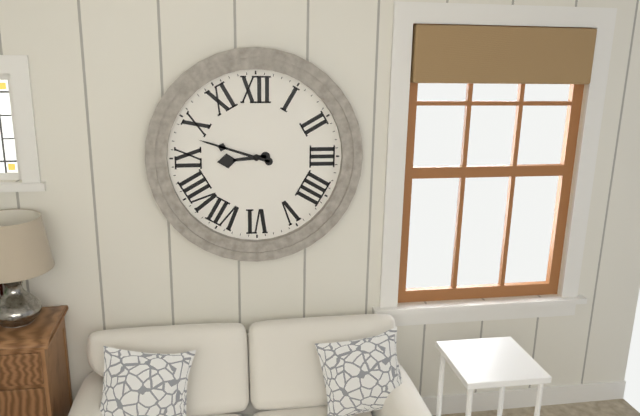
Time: 8h48
